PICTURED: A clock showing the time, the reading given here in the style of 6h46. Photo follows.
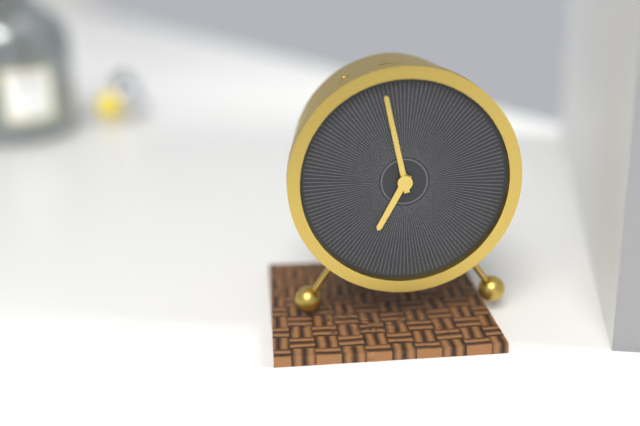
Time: 6h58
